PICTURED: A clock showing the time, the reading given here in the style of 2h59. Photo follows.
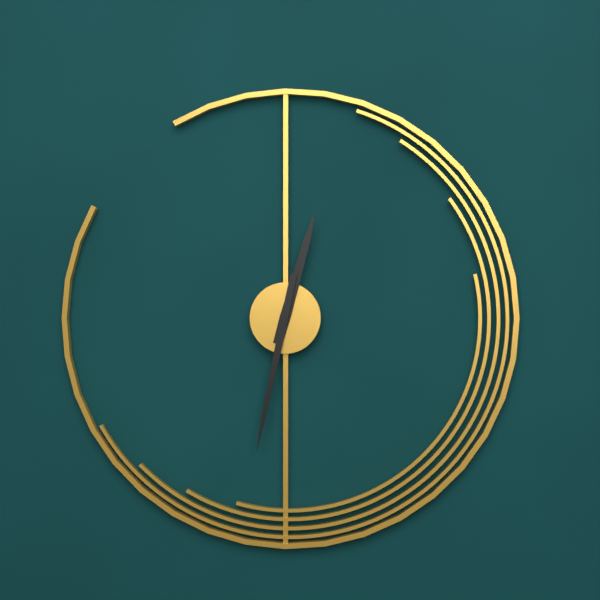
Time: 12h32
